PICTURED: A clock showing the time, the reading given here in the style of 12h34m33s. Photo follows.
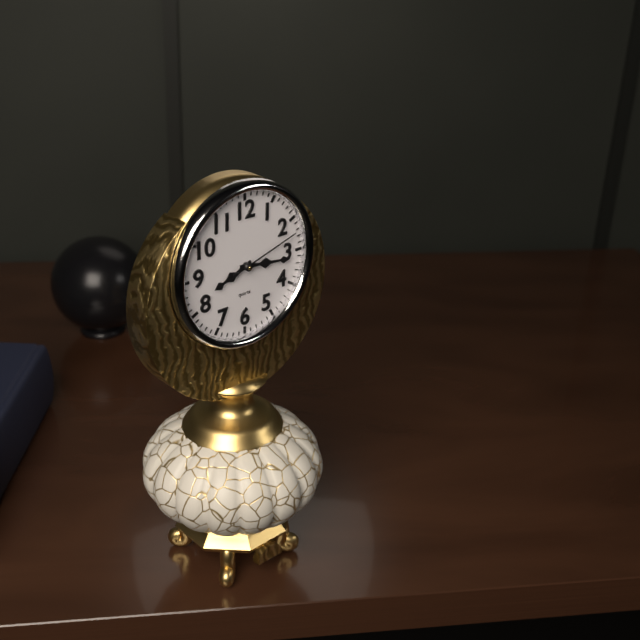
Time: 8h16m12s
